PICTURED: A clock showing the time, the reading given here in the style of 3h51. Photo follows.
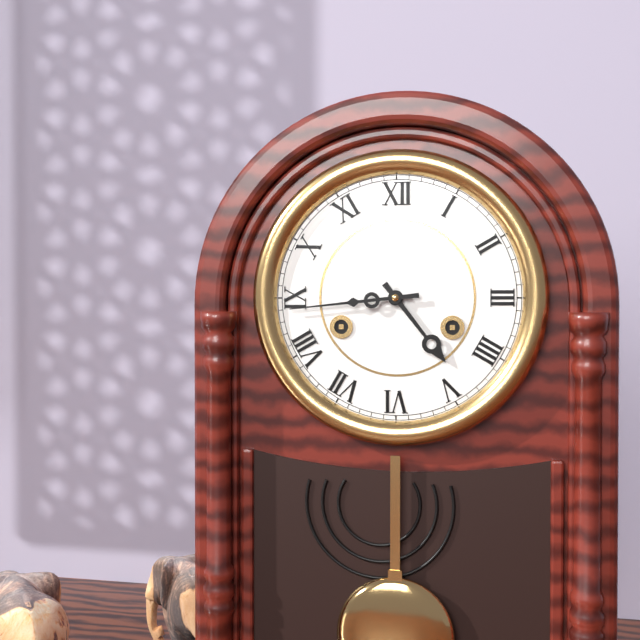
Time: 4h44
